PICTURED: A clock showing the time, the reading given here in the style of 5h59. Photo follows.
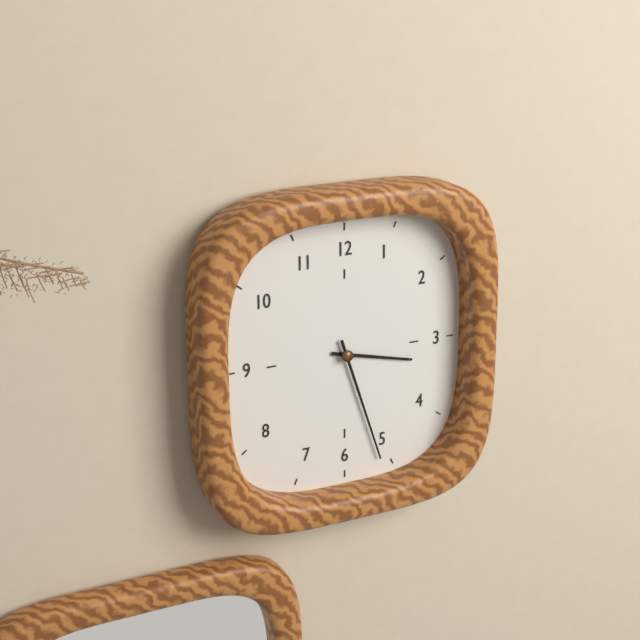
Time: 3h27
